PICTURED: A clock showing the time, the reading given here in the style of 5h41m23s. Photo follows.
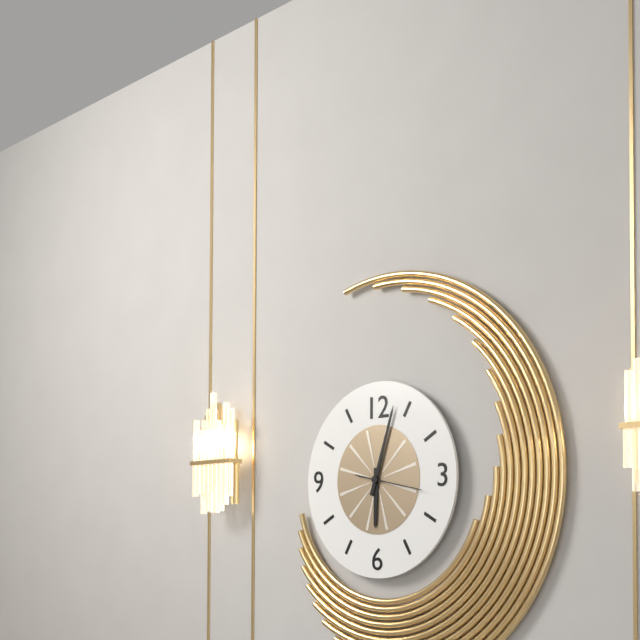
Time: 6h03m17s
